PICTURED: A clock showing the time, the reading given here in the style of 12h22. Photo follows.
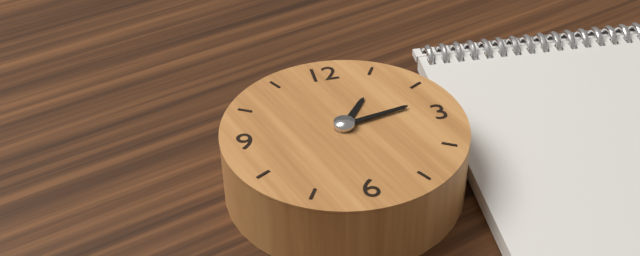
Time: 1h13
